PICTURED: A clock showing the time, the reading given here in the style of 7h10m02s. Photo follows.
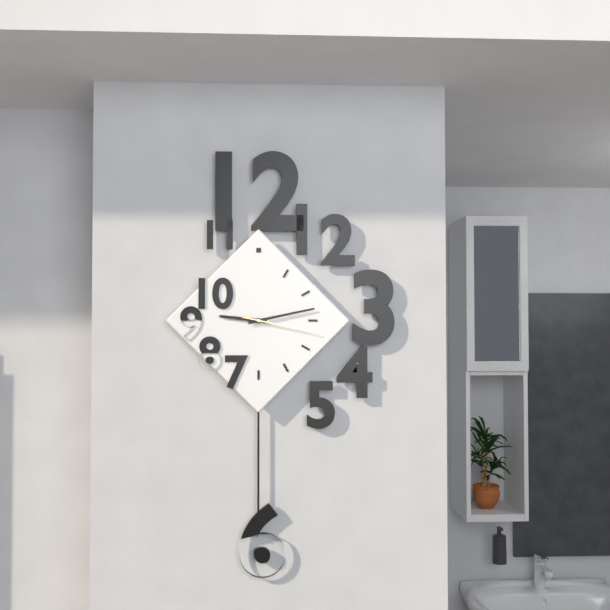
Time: 9h13m17s
